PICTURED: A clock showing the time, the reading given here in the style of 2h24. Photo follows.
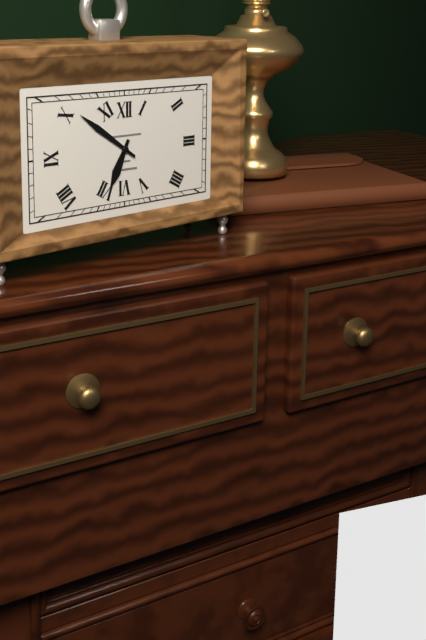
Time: 6h51
